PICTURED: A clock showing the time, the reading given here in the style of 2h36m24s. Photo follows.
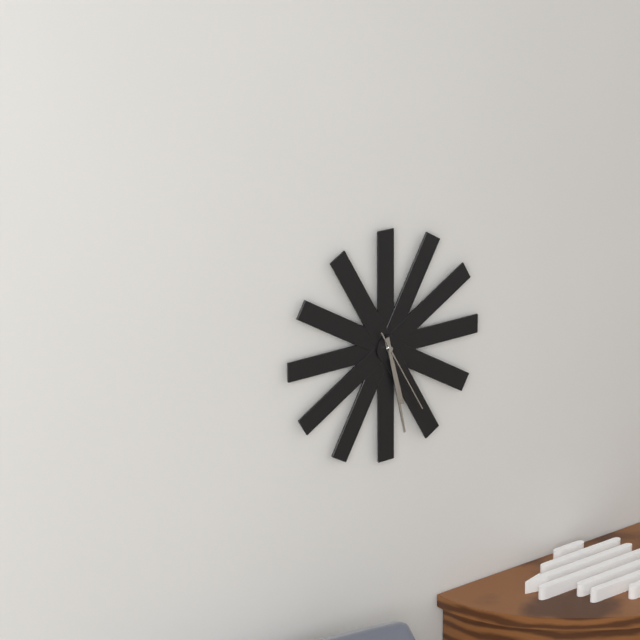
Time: 5h28m25s
